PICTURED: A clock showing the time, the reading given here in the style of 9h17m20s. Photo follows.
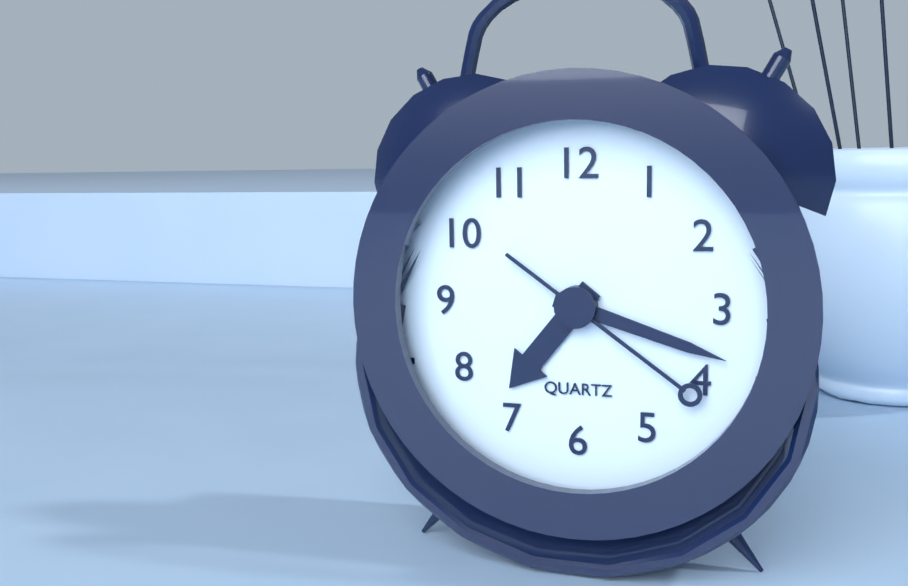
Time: 7h18m21s
